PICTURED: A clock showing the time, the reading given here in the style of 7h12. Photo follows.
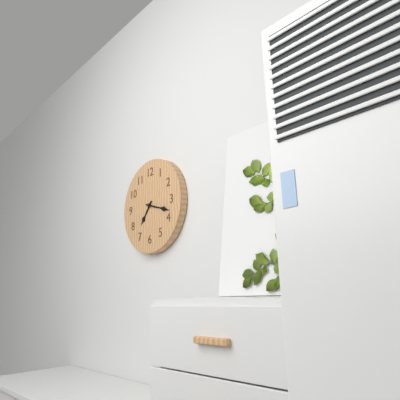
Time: 7h18
